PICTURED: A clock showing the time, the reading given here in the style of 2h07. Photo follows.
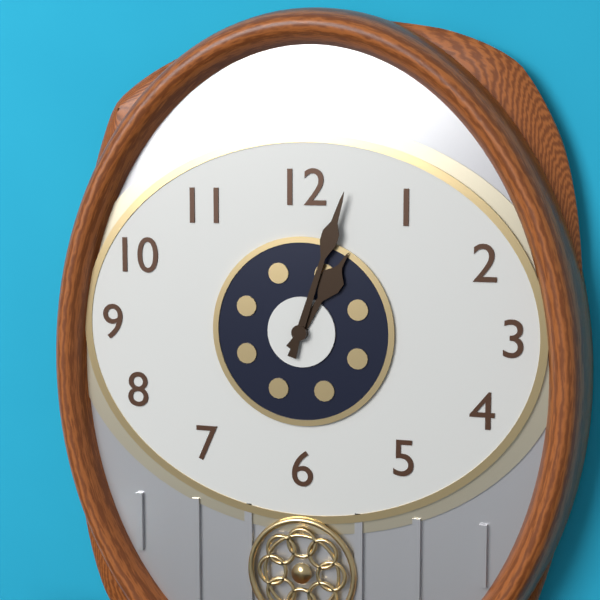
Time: 1h03
